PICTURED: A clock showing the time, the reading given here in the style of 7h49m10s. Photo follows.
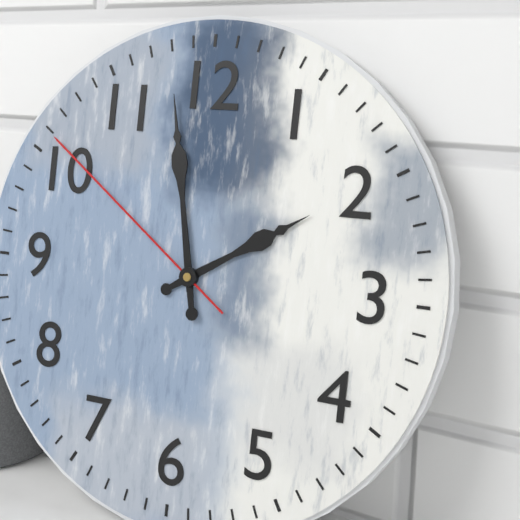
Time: 1h58m51s
